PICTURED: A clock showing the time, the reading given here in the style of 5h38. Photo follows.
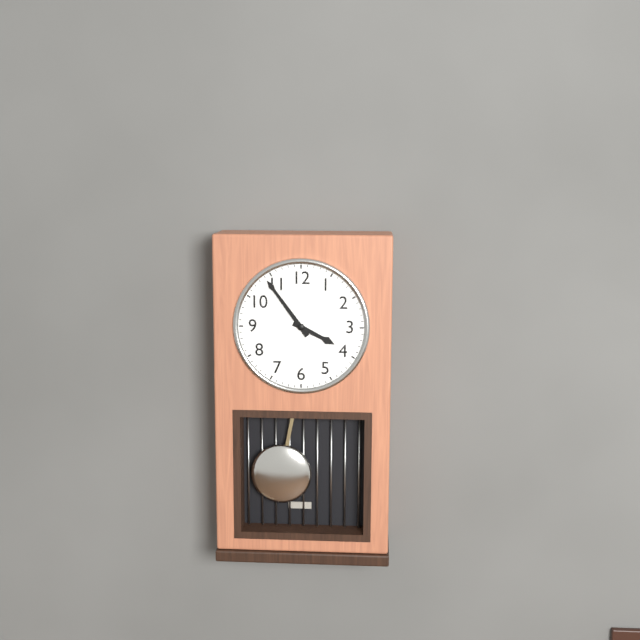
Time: 3h54
